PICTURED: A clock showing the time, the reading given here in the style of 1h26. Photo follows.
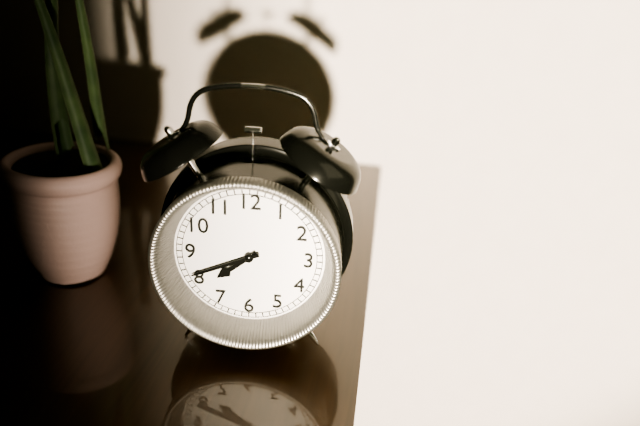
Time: 7h41
